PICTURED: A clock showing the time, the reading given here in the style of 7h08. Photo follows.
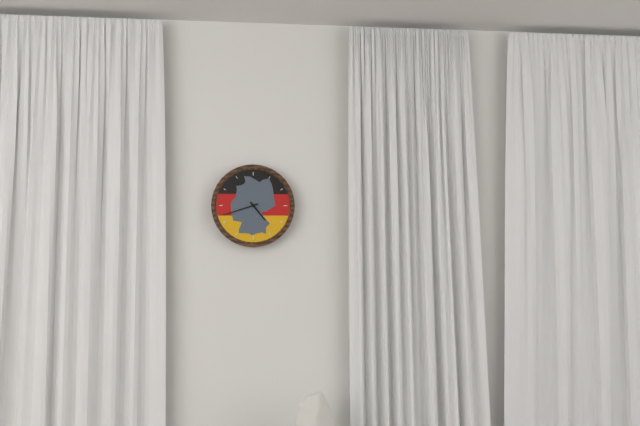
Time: 4h42
